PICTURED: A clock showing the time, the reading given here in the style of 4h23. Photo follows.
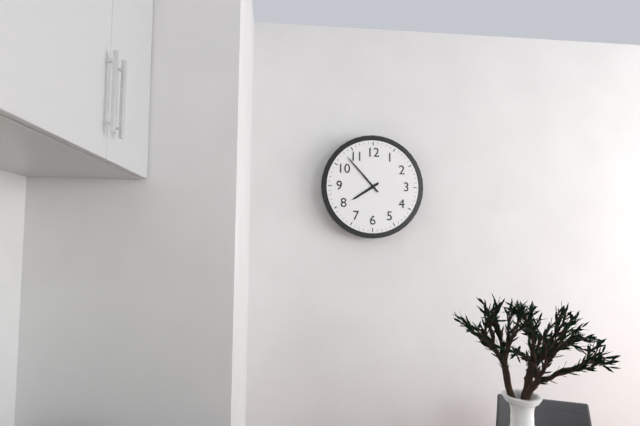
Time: 7h53
